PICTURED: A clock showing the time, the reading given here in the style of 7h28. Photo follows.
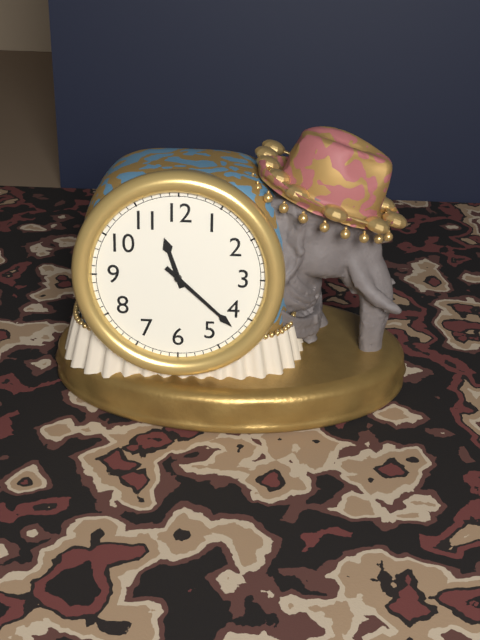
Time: 11h22
